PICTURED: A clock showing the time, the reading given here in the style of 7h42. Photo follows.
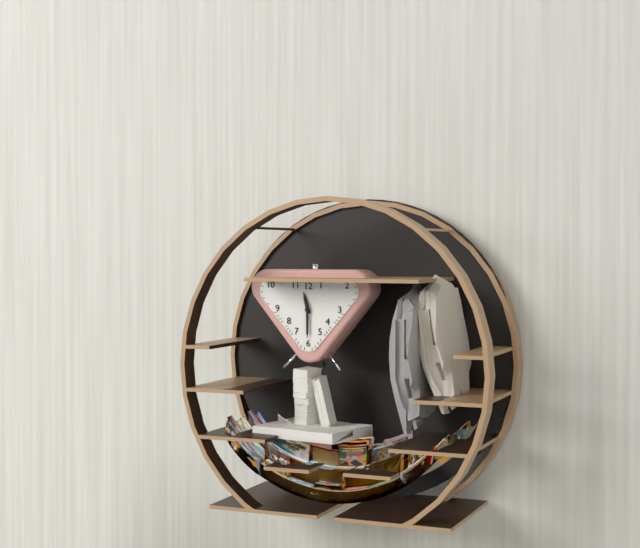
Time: 11h30
